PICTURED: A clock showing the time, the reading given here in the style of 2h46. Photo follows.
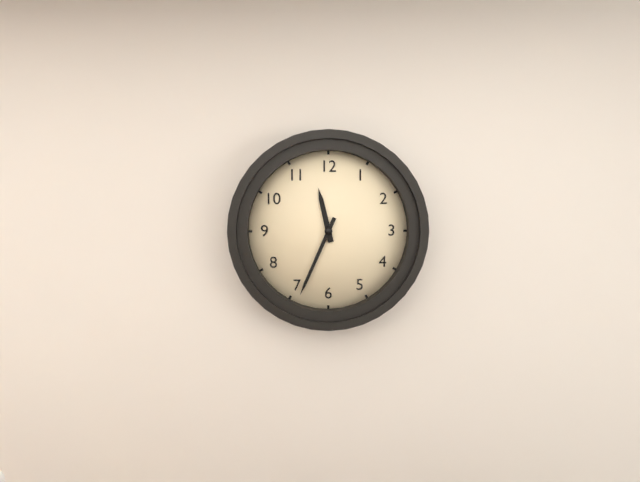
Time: 11h34
